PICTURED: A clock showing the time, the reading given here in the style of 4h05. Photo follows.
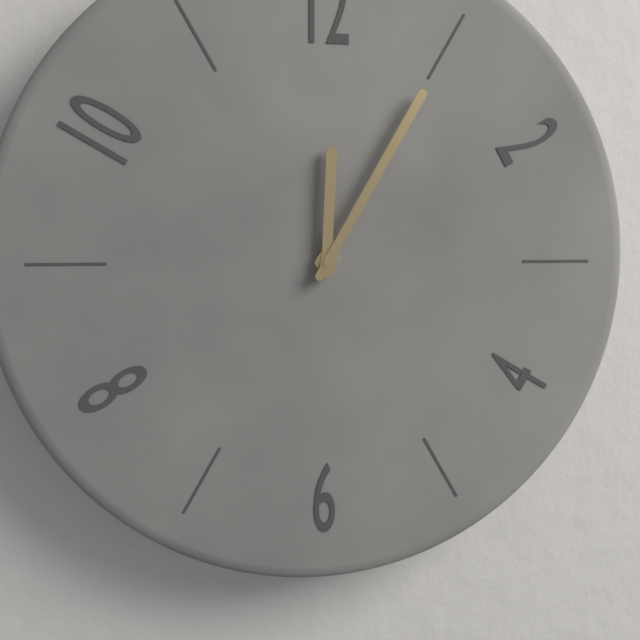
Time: 12h05
